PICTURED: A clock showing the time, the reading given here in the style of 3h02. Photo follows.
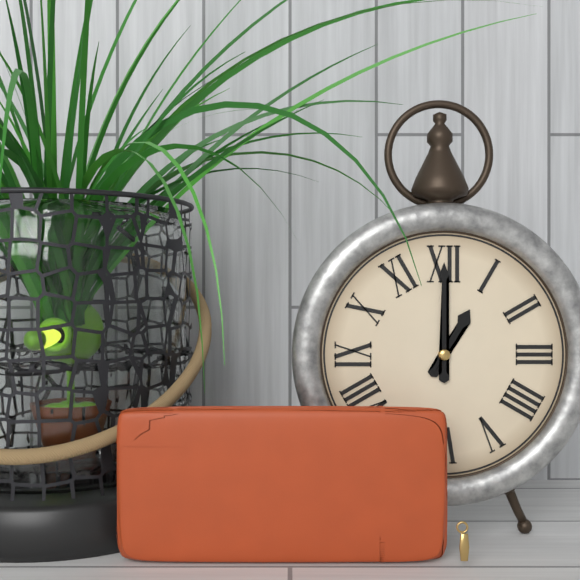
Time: 1h00
